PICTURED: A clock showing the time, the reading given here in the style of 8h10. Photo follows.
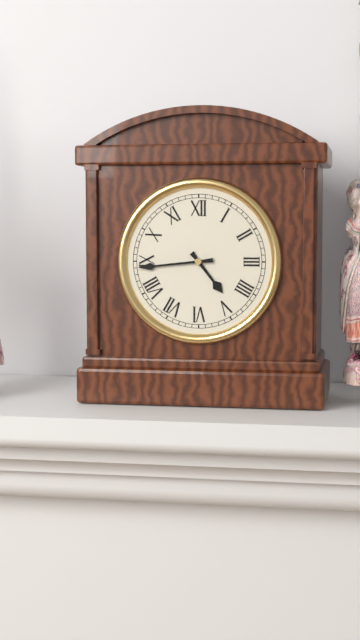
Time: 4h44
